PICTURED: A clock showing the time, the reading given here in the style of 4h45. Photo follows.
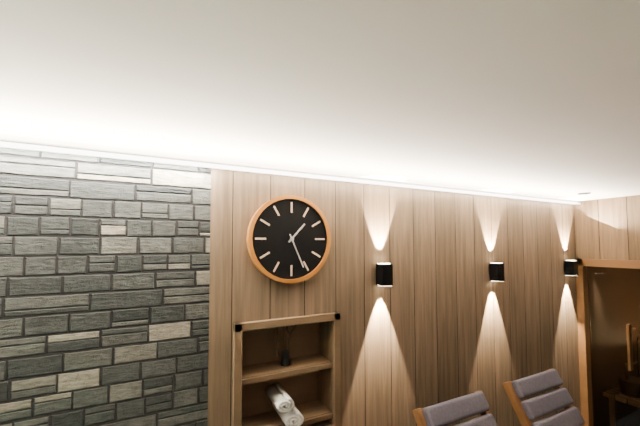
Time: 1h26
